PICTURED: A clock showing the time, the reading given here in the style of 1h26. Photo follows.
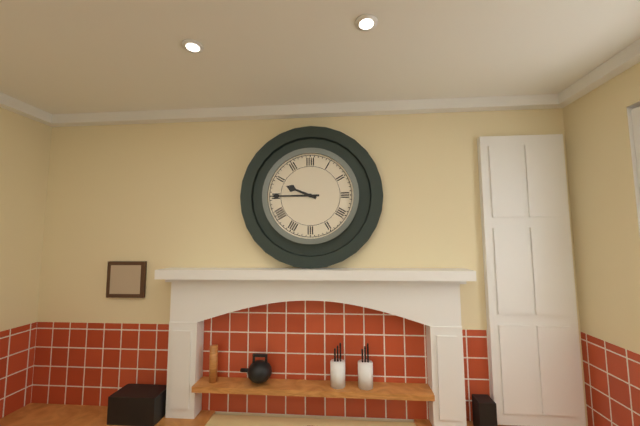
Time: 9h45
